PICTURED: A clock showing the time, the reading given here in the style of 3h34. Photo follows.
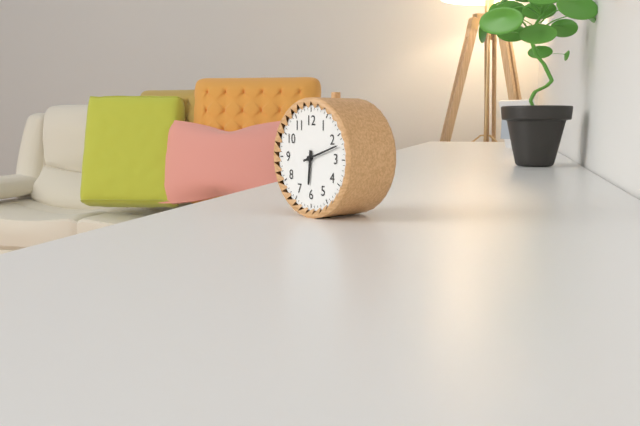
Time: 6h12
